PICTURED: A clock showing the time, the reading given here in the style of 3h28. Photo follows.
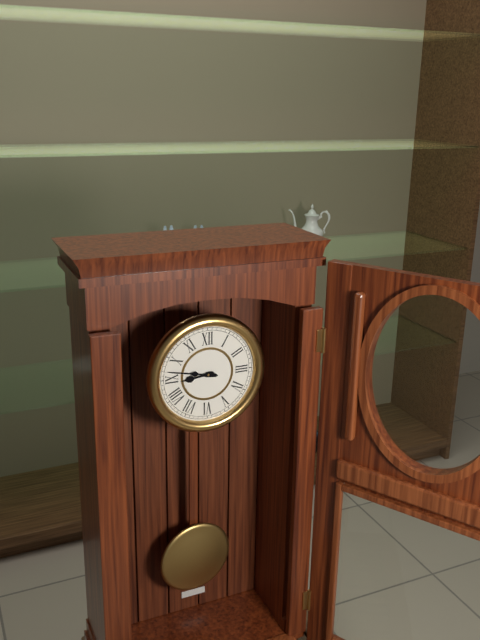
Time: 8h47
